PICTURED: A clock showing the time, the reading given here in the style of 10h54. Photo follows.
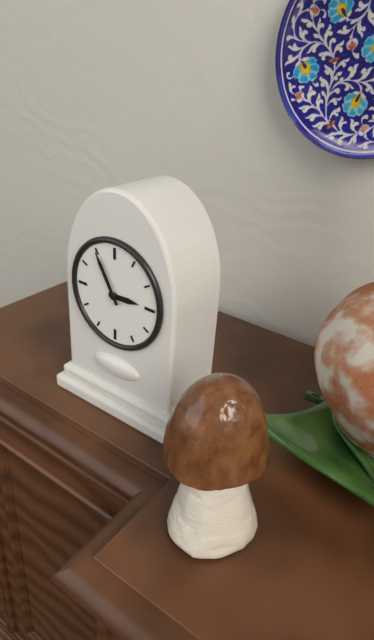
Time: 2h55
